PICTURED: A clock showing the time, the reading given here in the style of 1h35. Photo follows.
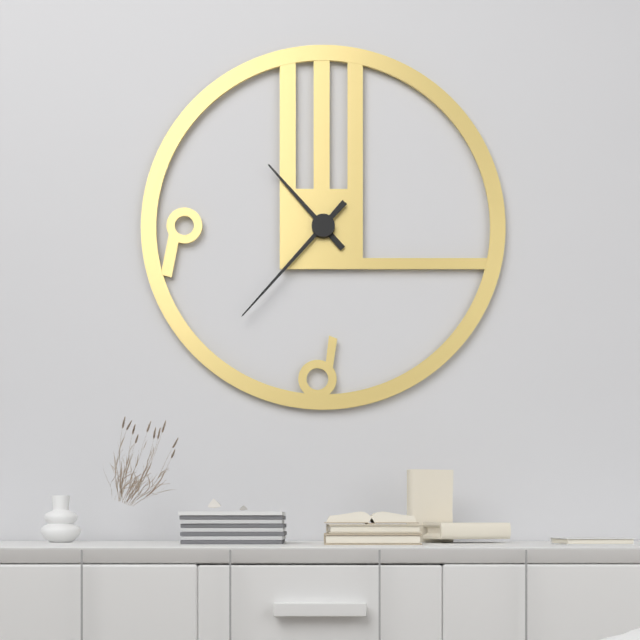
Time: 10h37
